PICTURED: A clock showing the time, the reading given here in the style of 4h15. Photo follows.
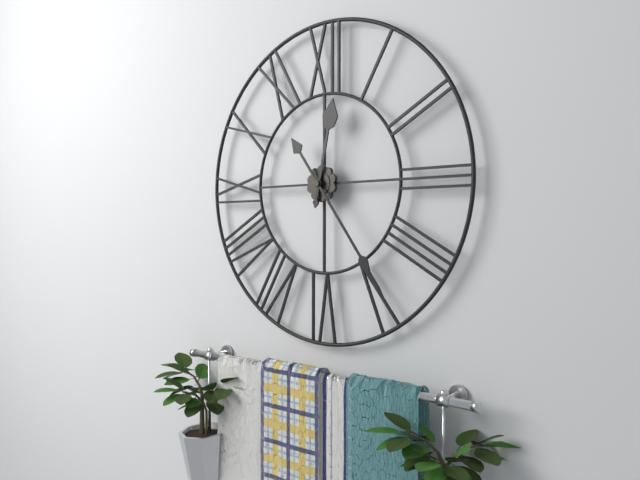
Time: 12h24
